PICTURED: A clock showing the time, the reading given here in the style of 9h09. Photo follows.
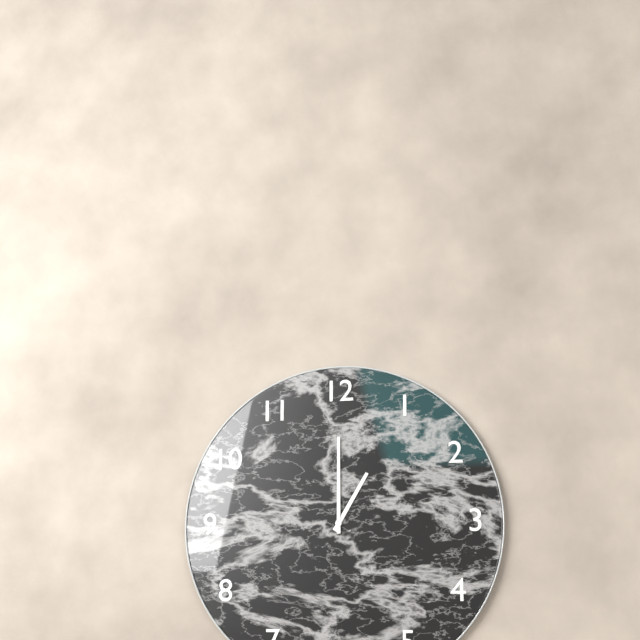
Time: 1h00
